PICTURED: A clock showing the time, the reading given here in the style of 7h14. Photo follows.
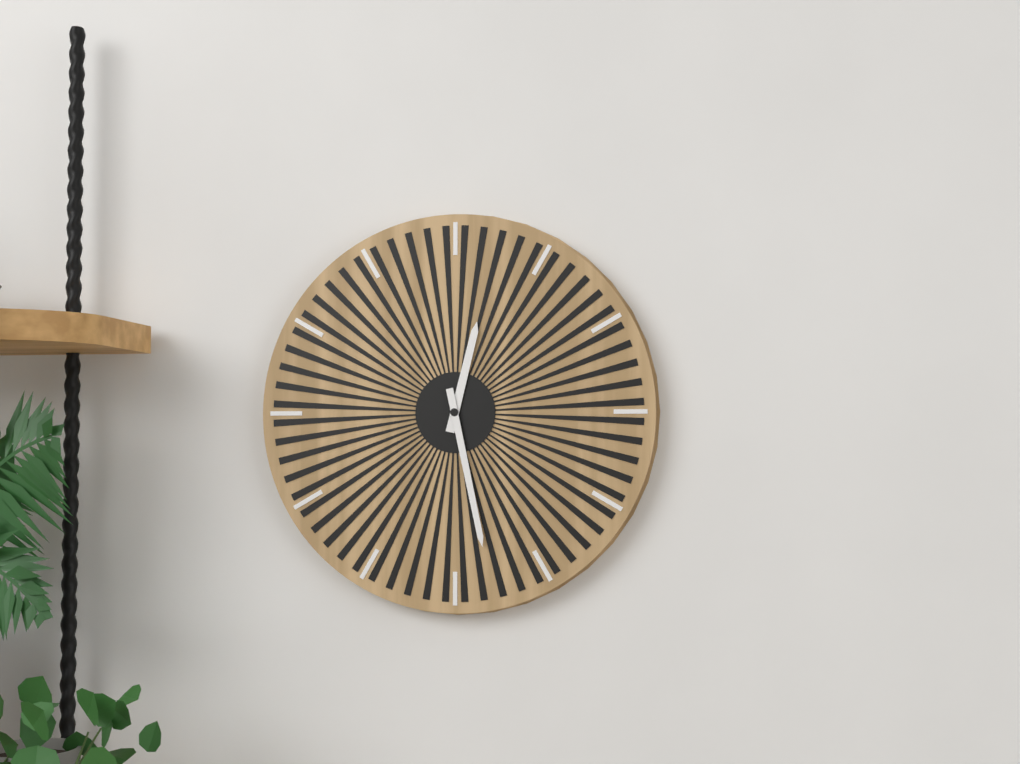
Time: 12h28
